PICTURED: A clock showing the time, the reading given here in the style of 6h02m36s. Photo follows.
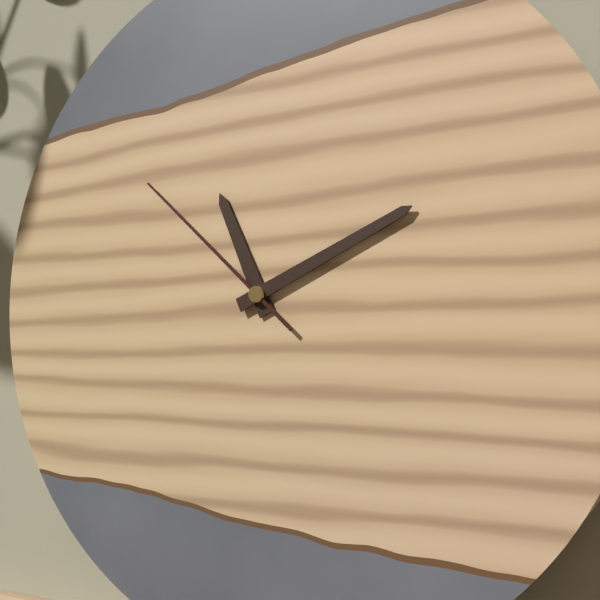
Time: 11h11m52s
